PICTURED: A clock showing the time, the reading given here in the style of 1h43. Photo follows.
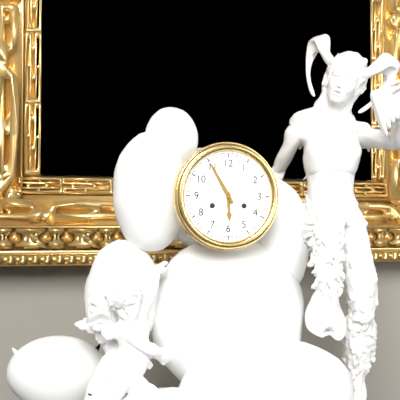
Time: 5h55
